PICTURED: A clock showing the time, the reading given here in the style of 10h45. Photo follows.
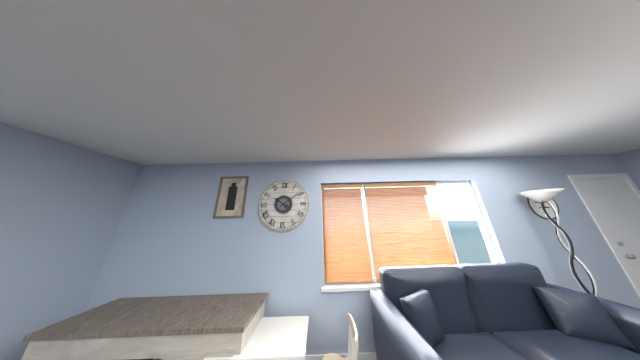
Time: 10h09
